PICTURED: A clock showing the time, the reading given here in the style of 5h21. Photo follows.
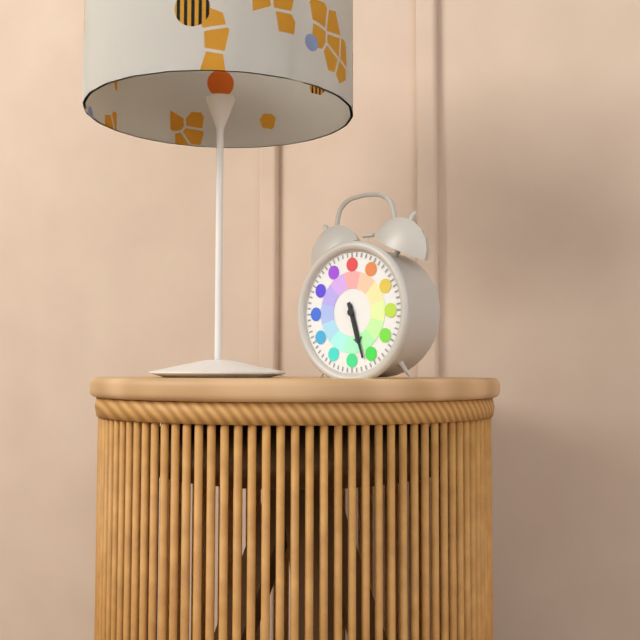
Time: 5h27
